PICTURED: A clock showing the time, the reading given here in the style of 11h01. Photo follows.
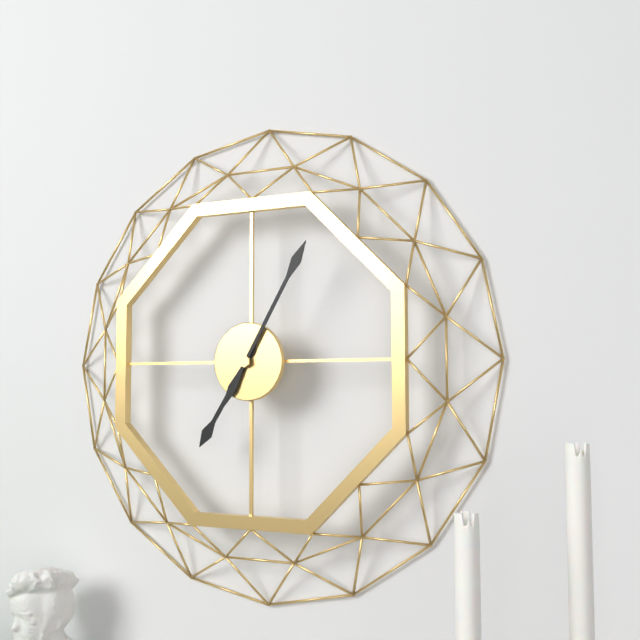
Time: 7h05
